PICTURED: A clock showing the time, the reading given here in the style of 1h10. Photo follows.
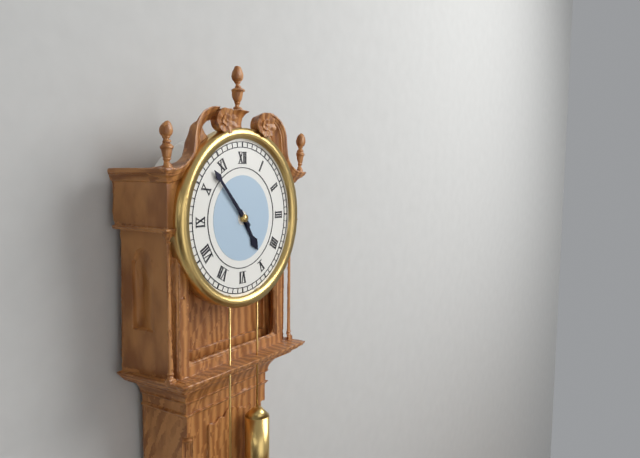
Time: 4h53
